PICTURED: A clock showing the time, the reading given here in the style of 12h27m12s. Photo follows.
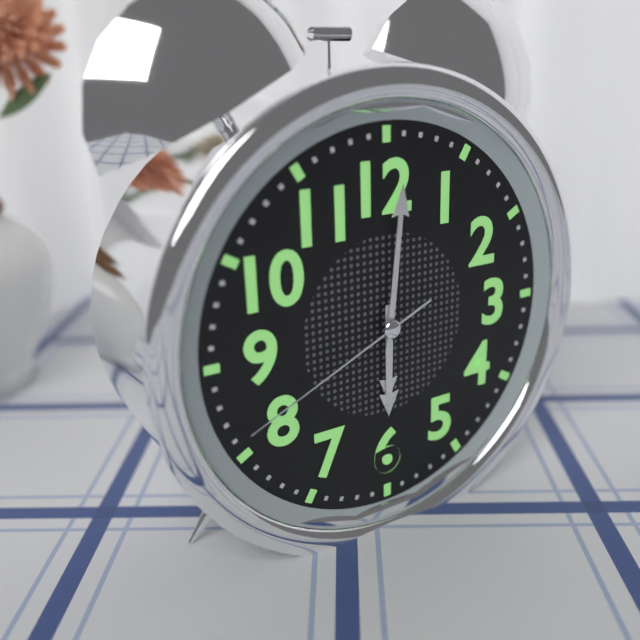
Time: 6h01m41s
